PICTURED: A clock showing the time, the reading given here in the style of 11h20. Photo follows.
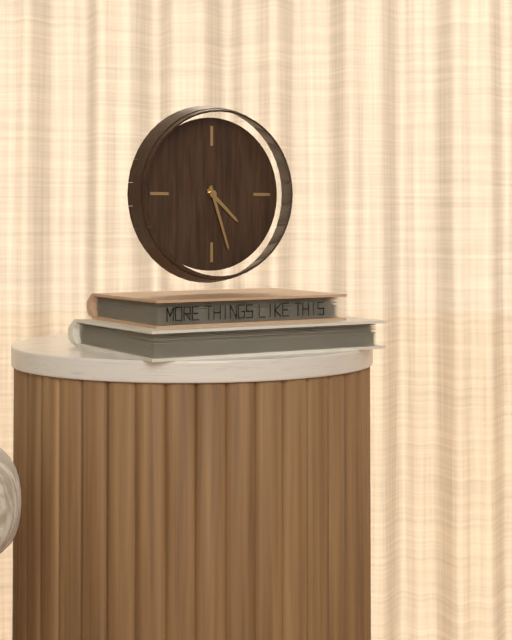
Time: 4h27
